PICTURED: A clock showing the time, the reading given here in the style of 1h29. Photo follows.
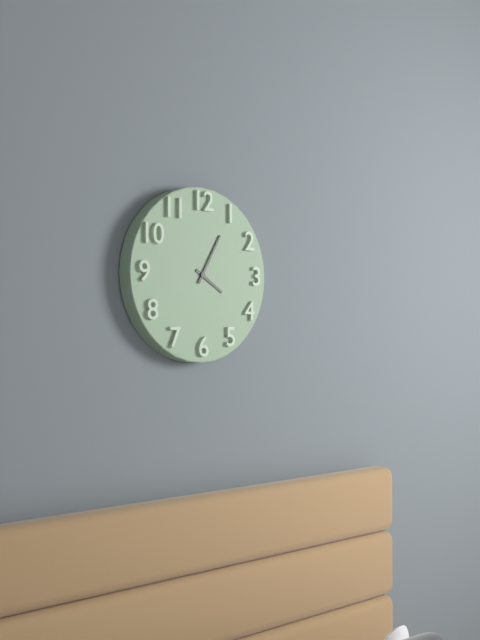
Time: 4h05
